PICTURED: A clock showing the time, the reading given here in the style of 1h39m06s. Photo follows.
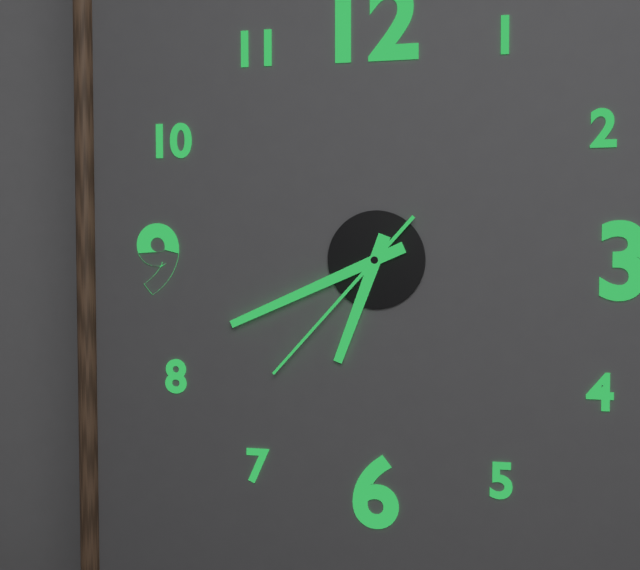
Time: 6h41m37s
